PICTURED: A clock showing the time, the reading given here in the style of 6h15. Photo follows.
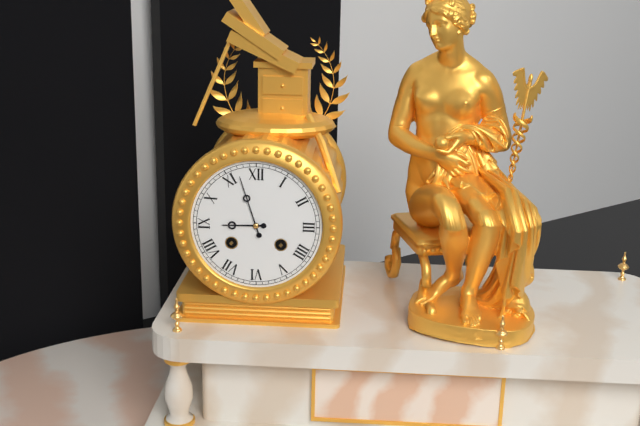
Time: 8h57
